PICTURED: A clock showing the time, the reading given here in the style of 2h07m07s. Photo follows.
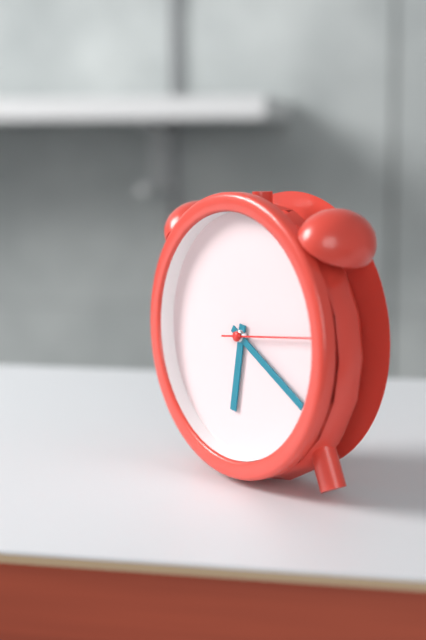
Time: 6h20m14s
